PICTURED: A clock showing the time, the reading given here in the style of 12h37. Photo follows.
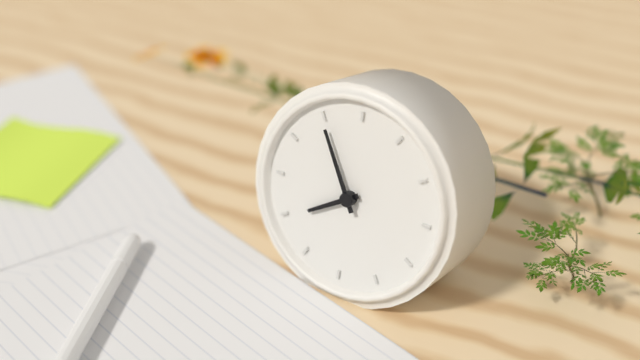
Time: 7h55
